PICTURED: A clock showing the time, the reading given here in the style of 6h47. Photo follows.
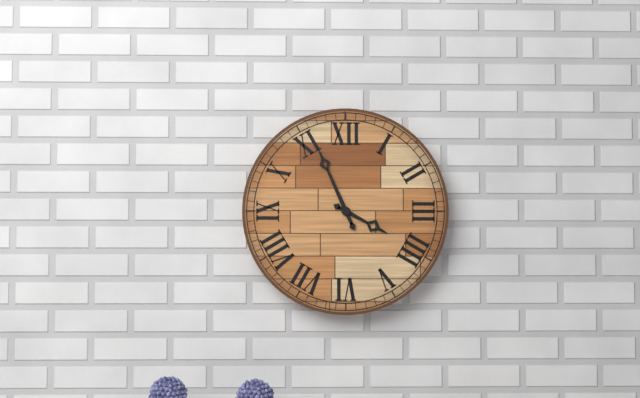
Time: 3h56
